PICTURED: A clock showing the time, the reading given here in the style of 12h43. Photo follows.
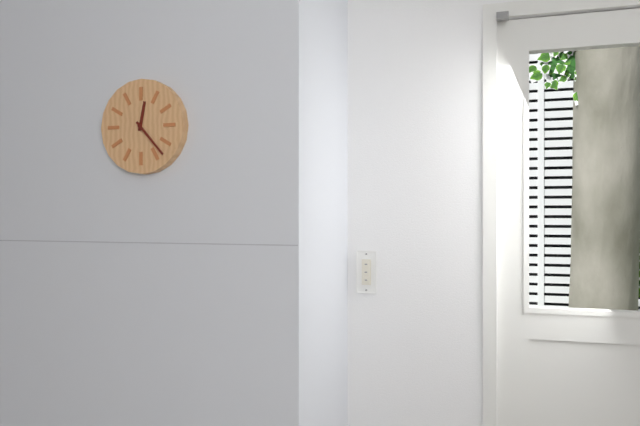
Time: 12h23
